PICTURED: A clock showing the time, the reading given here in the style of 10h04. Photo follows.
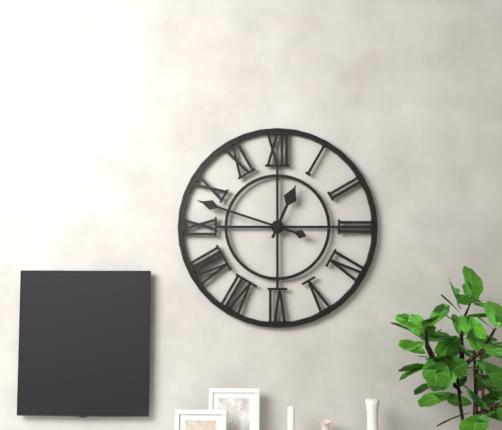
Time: 12h48
